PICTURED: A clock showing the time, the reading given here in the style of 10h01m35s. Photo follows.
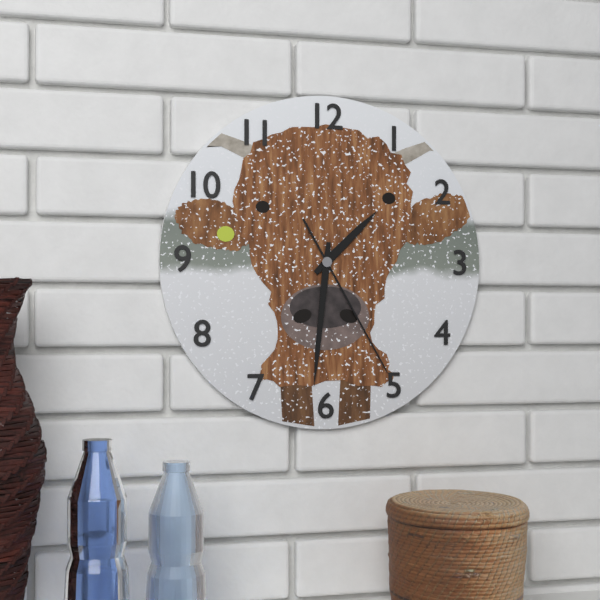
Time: 1h31m25s
